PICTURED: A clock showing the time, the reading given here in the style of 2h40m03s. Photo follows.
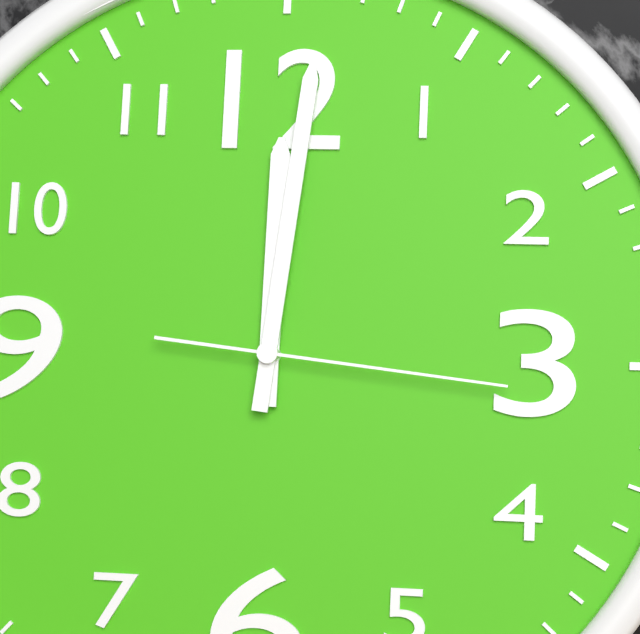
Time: 12h01m16s
